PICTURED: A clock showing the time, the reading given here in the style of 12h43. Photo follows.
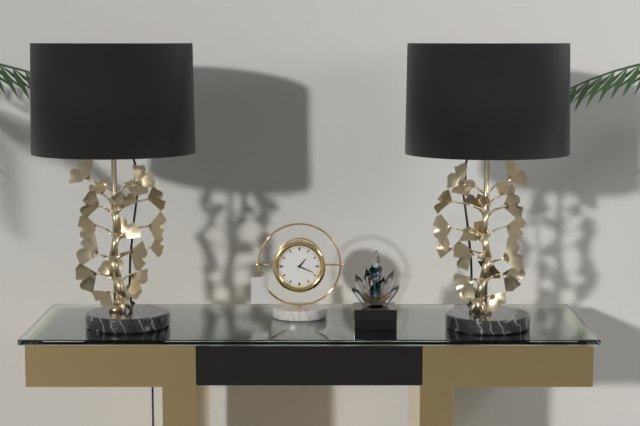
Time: 1h19
